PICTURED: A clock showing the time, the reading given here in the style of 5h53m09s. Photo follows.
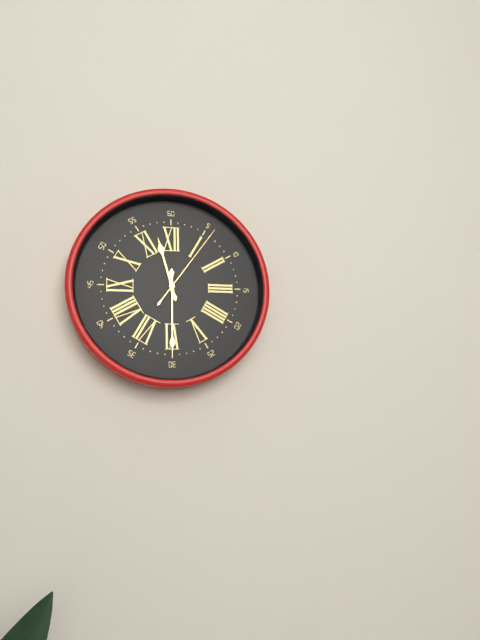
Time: 11h30m06s
